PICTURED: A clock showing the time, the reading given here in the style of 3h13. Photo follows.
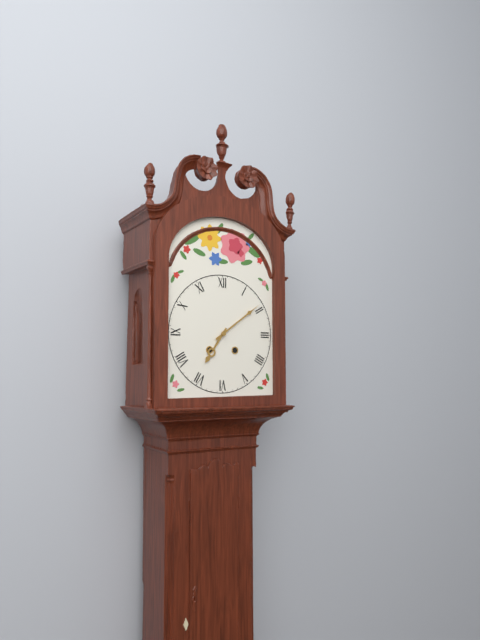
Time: 7h09
